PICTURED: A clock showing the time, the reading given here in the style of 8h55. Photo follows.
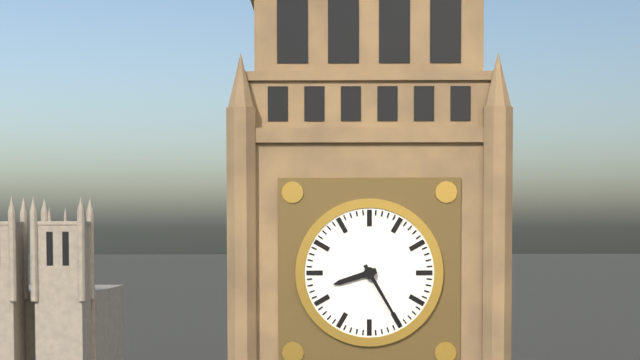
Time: 8h25
